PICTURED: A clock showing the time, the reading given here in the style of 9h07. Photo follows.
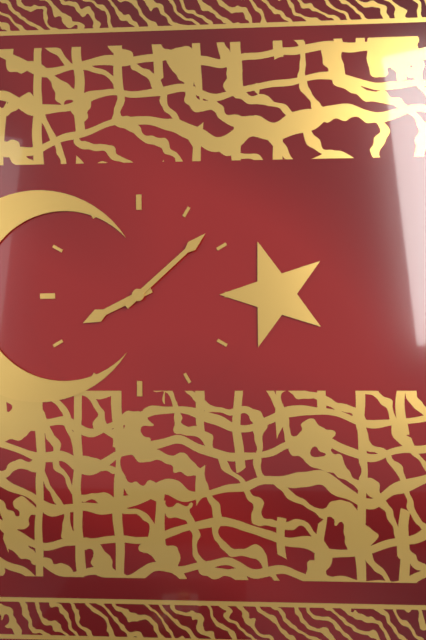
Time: 8h08
